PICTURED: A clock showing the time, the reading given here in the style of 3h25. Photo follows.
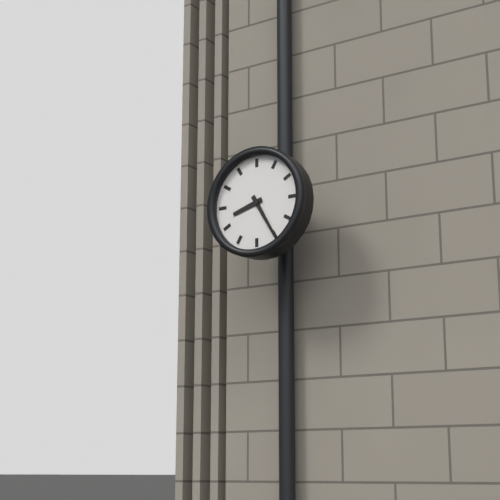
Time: 8h25
